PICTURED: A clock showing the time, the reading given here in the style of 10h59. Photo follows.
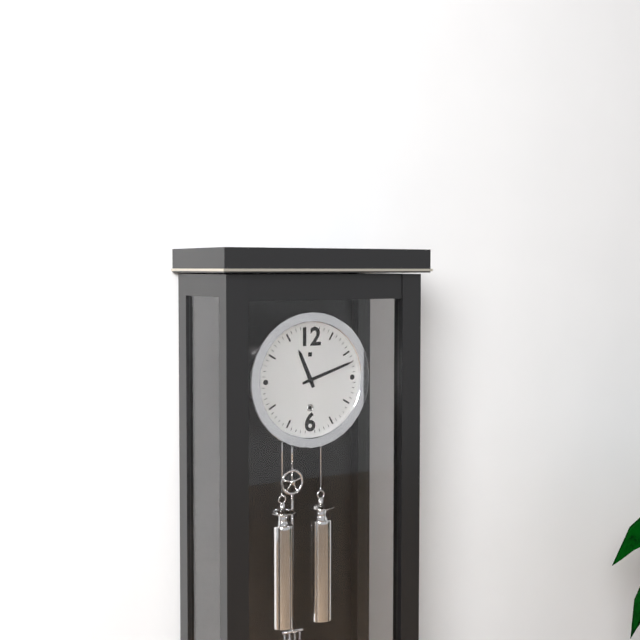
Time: 11h12
